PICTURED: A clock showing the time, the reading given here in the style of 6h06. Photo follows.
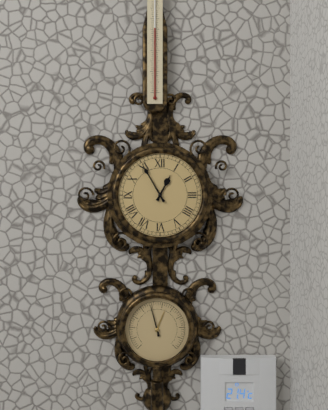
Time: 12h55
